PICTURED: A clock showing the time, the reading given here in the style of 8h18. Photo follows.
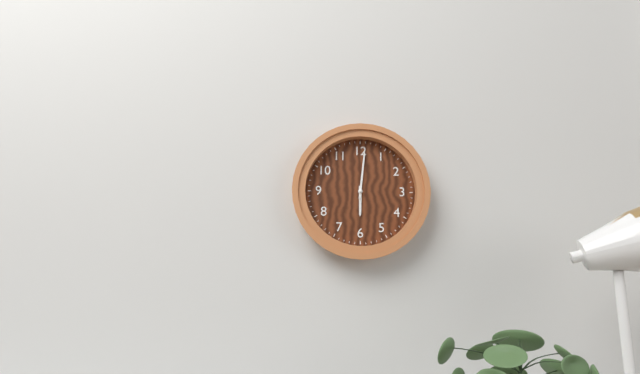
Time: 6h01
